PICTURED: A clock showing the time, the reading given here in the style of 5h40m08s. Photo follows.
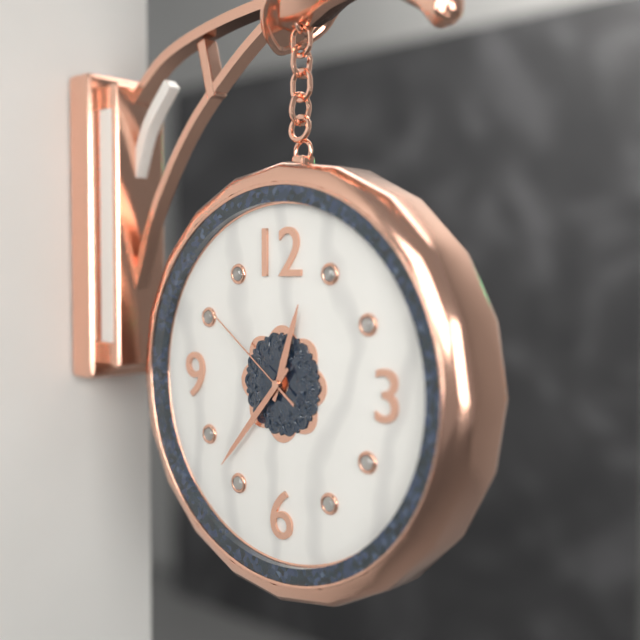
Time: 12h37m51s
